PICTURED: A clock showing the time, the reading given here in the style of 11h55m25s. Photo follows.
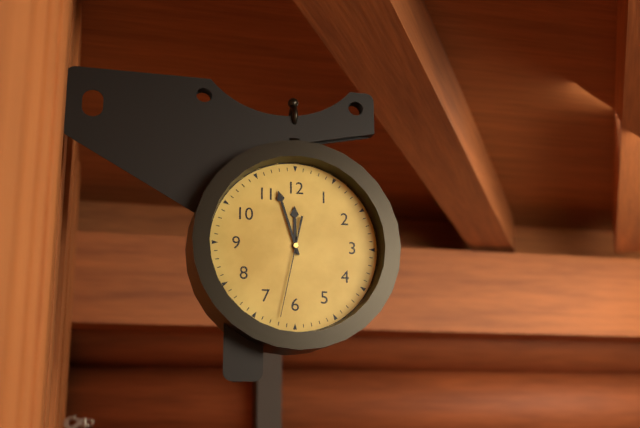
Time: 11h57m32s
